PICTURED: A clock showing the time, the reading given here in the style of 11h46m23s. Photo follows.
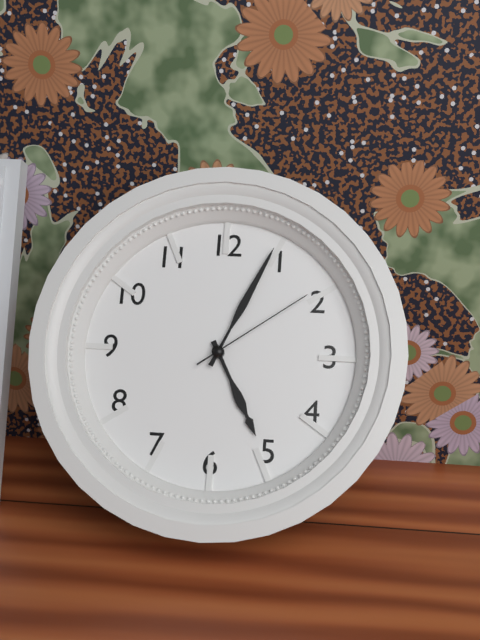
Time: 5h04m09s
